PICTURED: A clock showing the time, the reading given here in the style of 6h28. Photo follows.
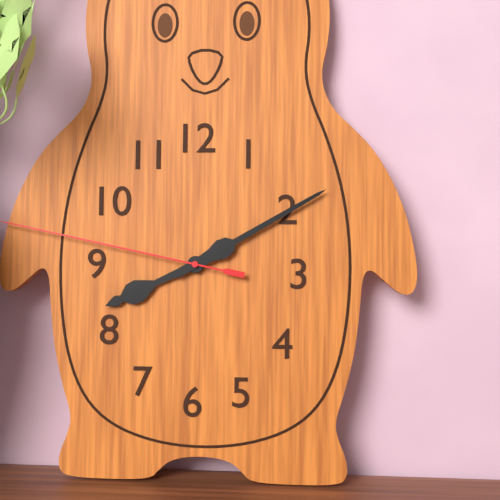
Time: 8h10
